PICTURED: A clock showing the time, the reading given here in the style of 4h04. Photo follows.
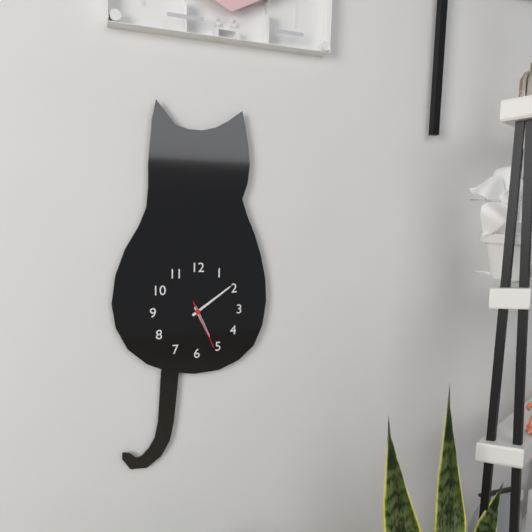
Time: 5h09
